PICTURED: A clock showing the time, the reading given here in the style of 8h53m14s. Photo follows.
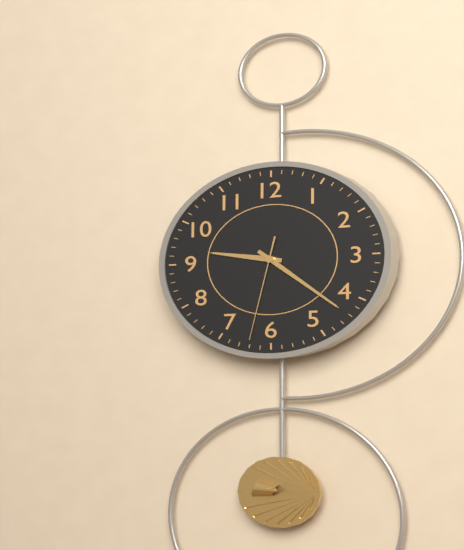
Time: 9h22m32s
